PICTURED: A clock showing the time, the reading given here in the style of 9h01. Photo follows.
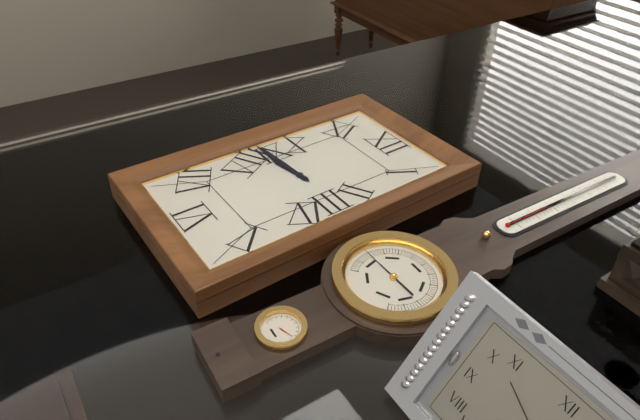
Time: 8h44
